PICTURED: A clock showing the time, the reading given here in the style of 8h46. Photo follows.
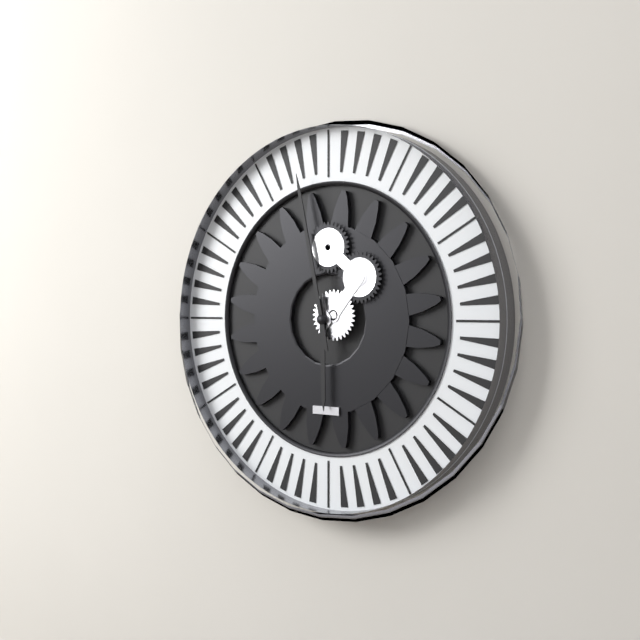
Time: 5h58
